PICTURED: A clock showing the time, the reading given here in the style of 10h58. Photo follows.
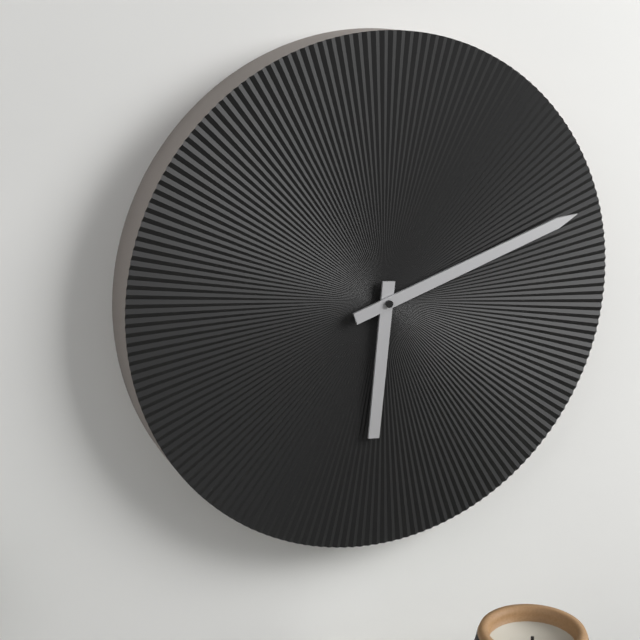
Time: 6h12
